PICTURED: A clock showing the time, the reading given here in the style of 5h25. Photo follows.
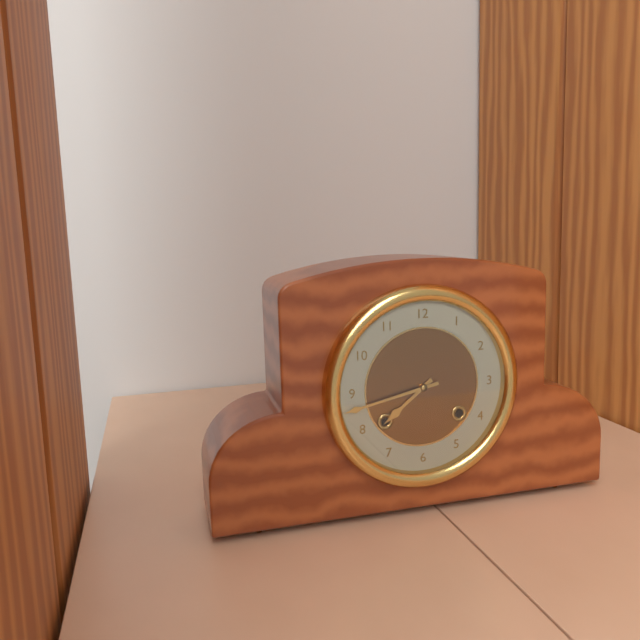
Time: 7h43
